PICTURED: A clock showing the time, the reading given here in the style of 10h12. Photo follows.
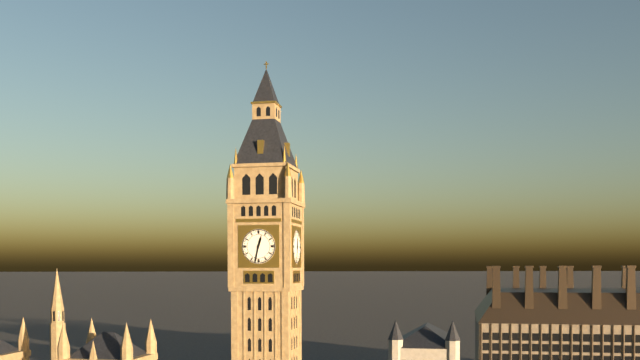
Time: 12h32
